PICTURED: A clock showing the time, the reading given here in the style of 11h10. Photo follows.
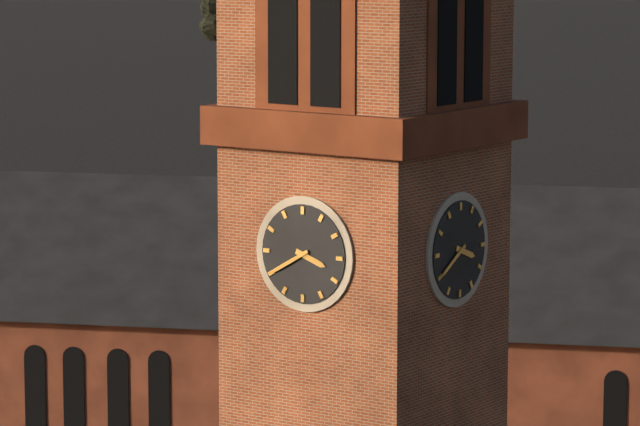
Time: 3h40
